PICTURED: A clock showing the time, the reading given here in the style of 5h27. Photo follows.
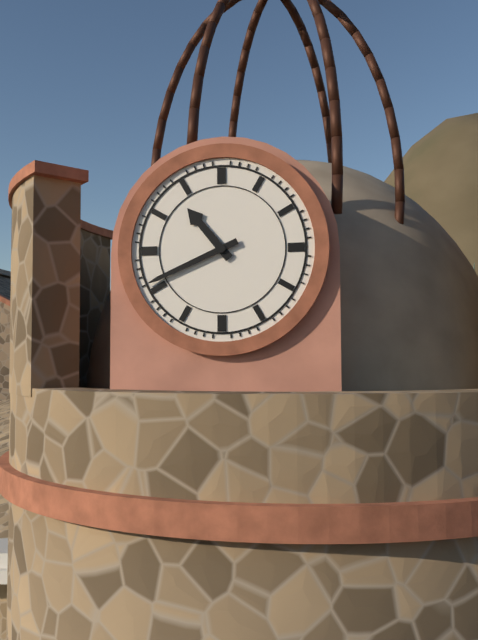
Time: 10h41
